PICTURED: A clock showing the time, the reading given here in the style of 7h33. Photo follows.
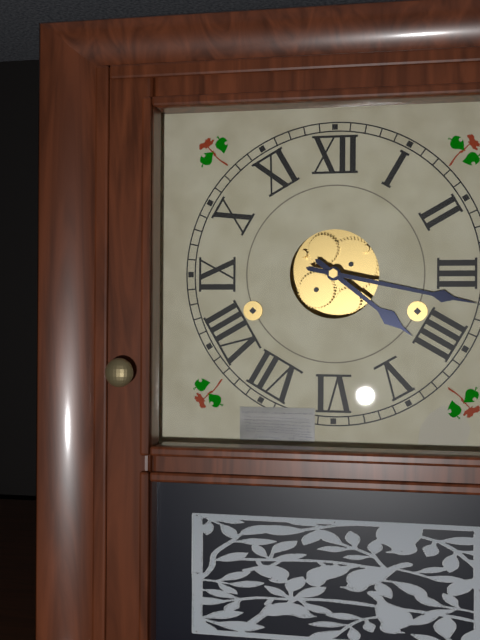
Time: 4h17
